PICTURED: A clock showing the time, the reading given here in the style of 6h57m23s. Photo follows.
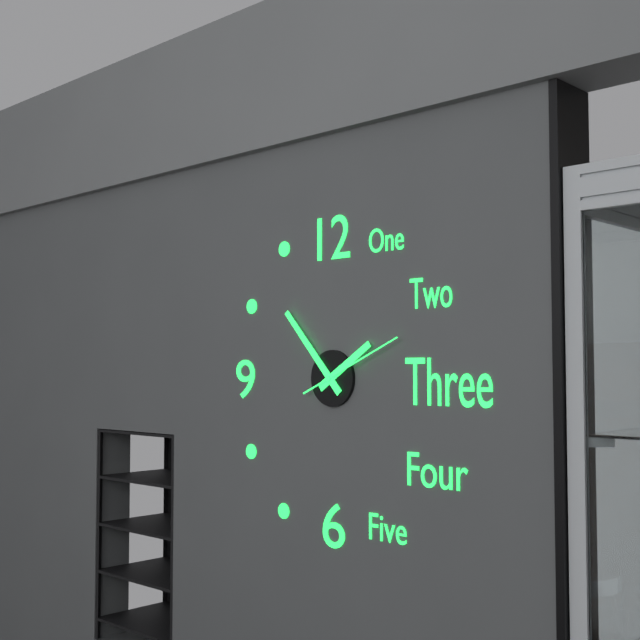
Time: 1h53m11s
